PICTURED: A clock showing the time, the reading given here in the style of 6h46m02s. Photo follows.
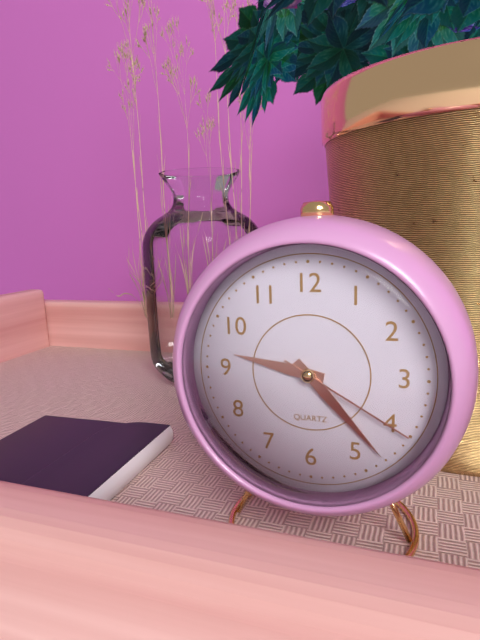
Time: 9h23m20s
